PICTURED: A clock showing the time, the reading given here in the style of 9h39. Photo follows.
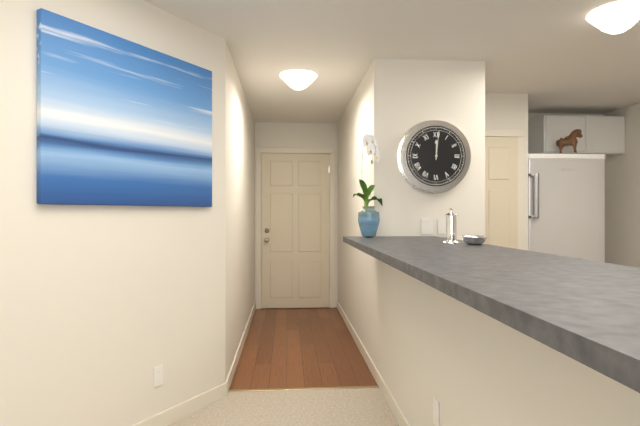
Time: 12h01
